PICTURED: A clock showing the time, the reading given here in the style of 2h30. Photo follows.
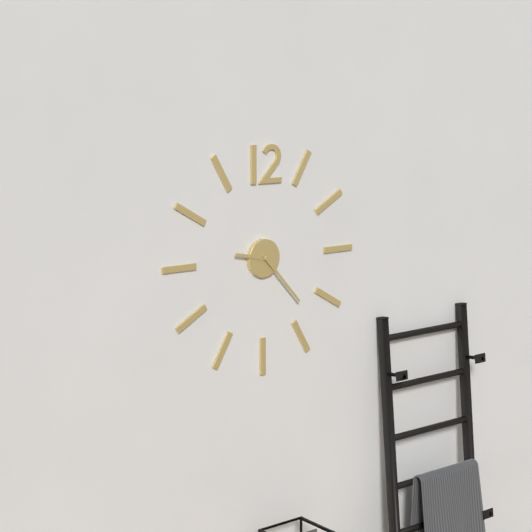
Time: 9h23
